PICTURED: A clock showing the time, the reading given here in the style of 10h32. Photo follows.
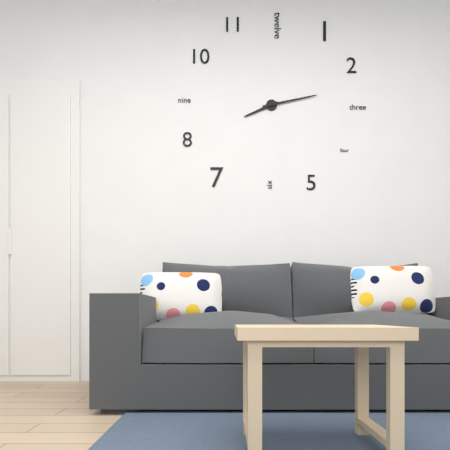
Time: 8h13
